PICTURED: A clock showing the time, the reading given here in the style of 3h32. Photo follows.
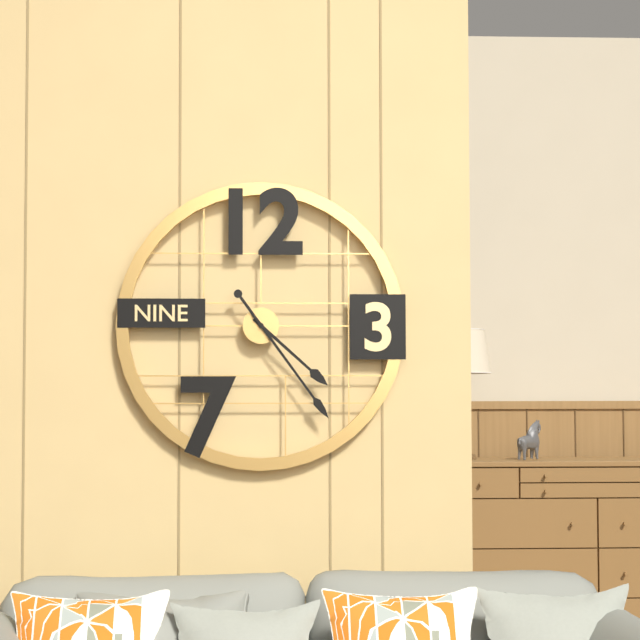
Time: 4h24
